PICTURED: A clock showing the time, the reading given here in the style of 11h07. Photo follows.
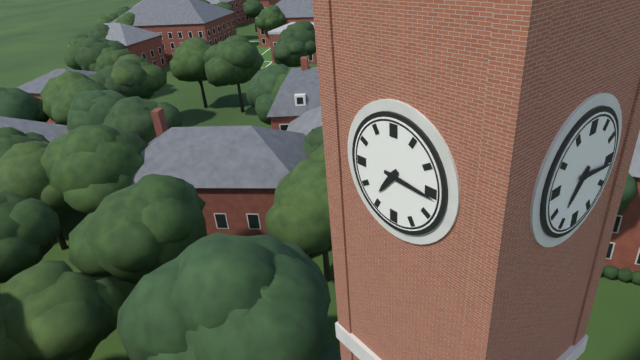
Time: 7h16
